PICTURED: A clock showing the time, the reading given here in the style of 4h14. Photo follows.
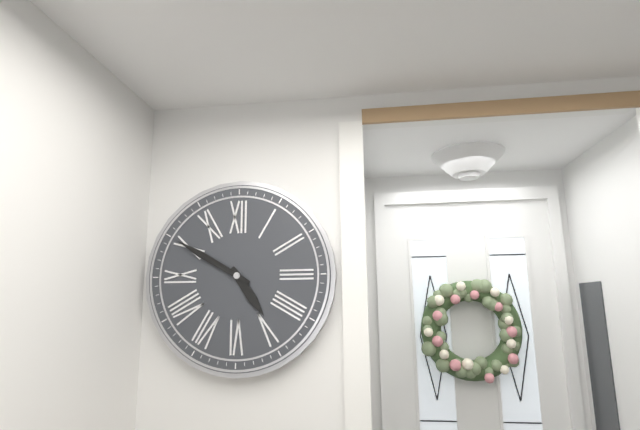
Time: 4h50
